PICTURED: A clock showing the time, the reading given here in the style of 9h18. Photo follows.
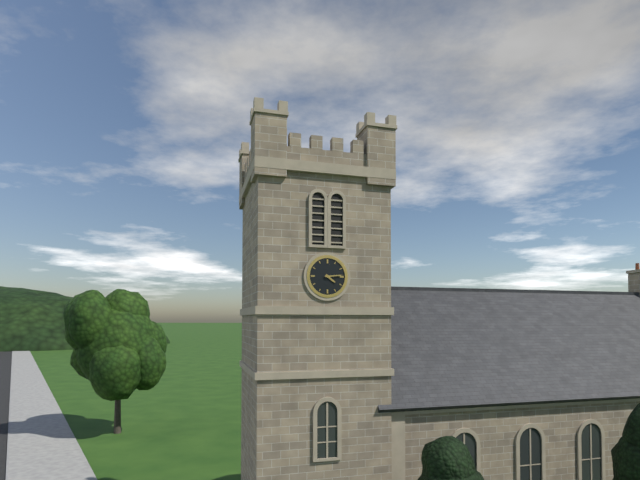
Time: 4h14
